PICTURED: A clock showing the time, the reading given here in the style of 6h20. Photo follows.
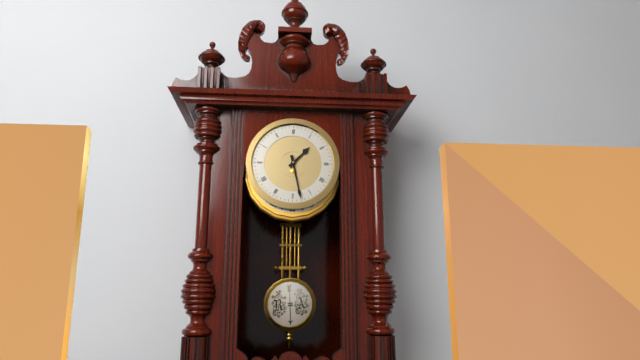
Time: 1h28
